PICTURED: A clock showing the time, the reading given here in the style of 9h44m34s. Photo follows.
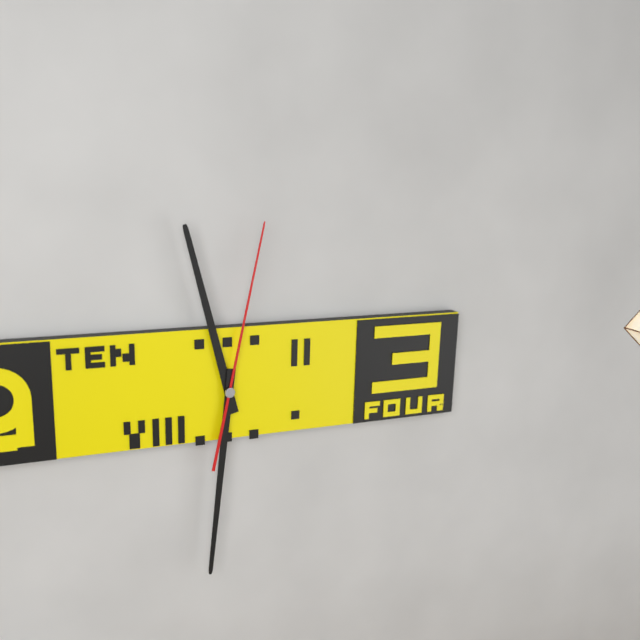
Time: 11h31m02s
